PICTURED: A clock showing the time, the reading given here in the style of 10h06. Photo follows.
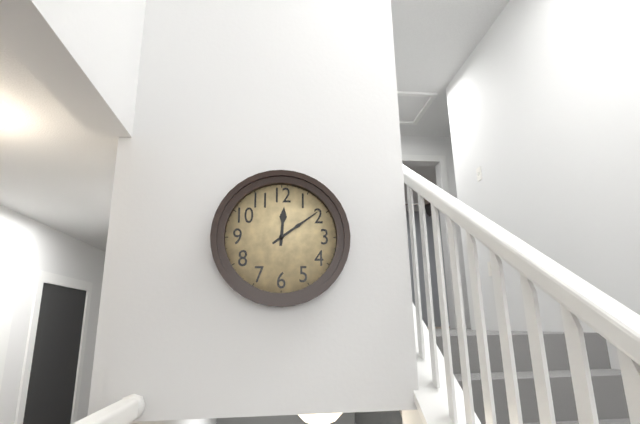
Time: 12h09
